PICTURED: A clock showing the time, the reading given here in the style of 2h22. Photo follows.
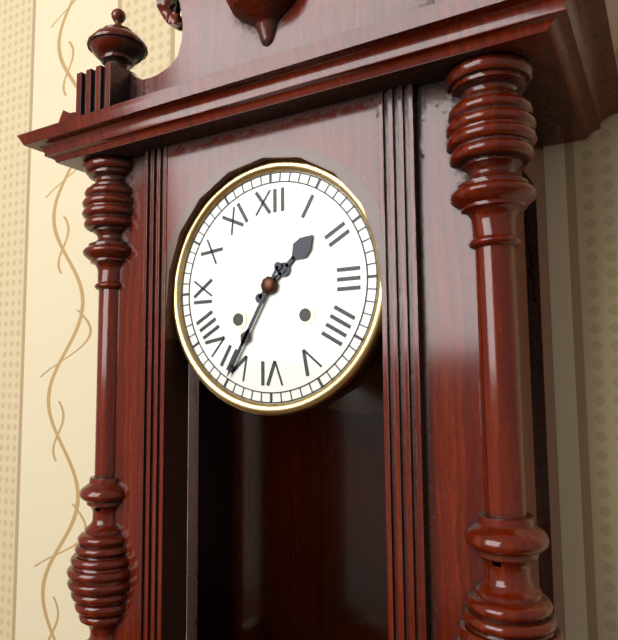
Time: 1h35
